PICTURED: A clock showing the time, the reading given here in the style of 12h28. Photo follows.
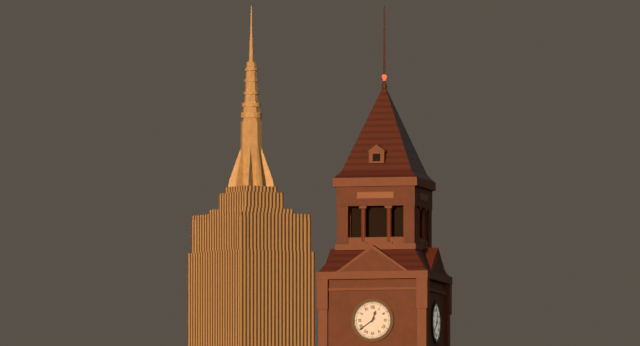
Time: 12h39
